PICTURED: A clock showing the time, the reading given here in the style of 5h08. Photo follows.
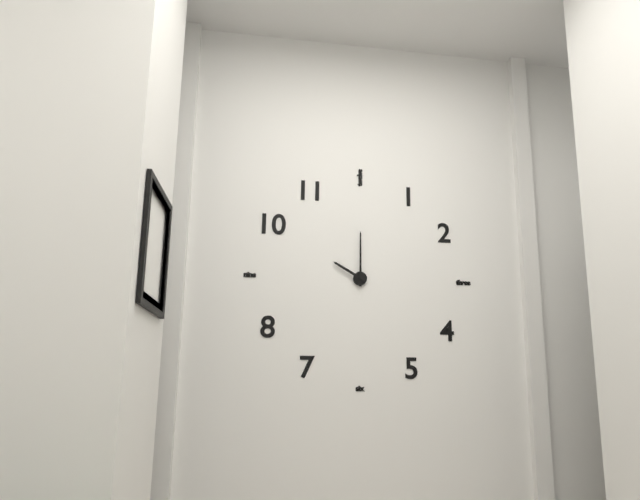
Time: 10h00
